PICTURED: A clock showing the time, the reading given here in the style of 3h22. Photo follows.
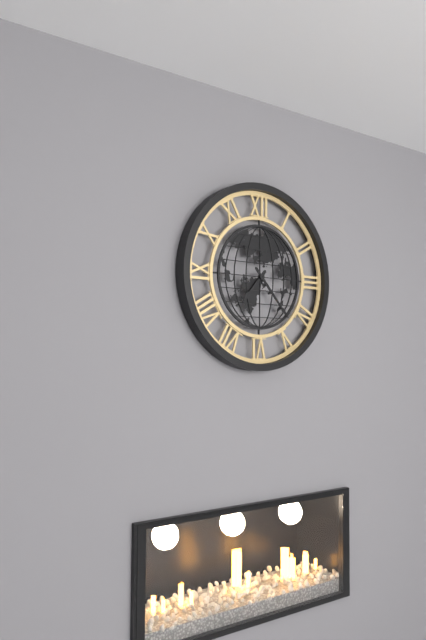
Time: 7h23
